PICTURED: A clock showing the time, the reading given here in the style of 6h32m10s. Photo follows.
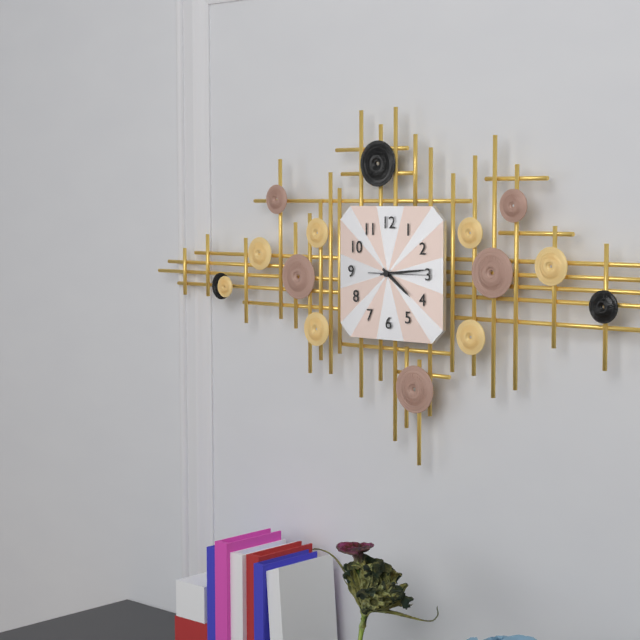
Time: 4h14m15s
